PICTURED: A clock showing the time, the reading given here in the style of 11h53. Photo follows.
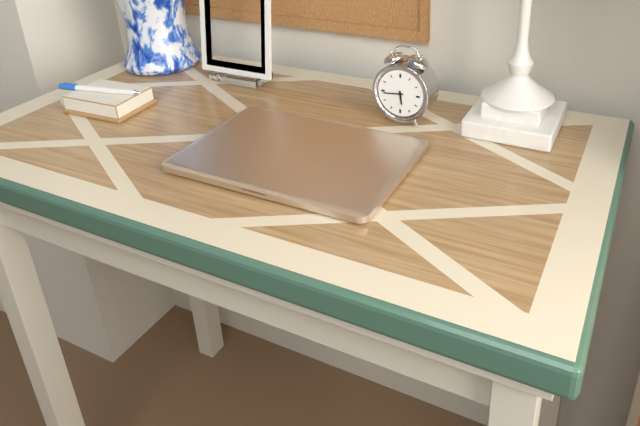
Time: 5h44
